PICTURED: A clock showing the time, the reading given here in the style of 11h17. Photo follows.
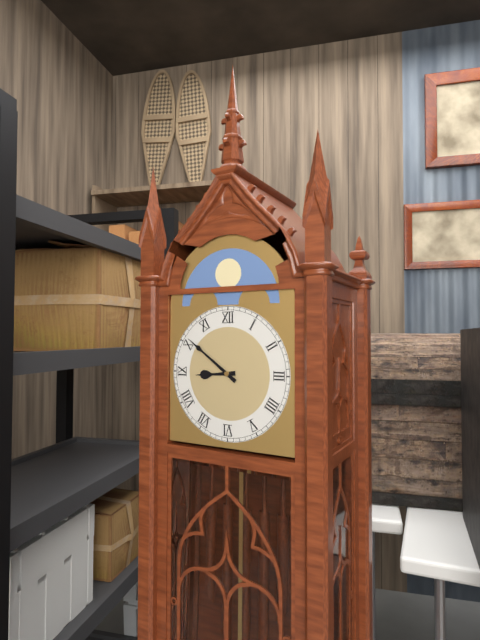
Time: 8h51
